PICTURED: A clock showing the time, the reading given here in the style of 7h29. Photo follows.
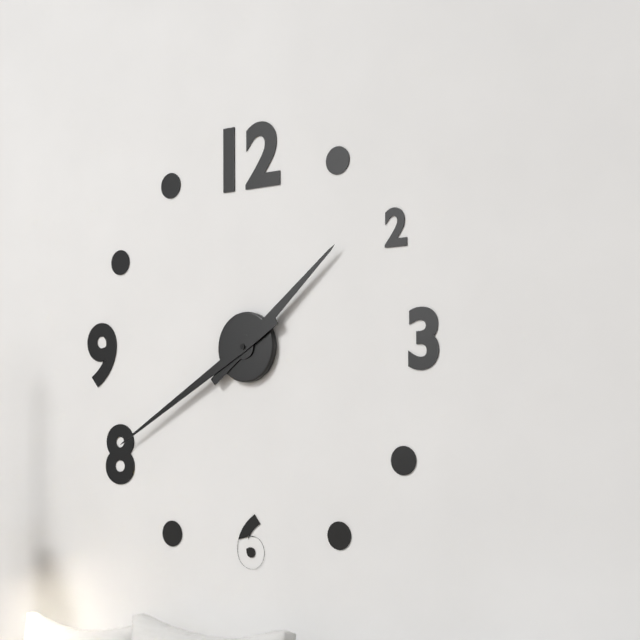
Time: 1h40
